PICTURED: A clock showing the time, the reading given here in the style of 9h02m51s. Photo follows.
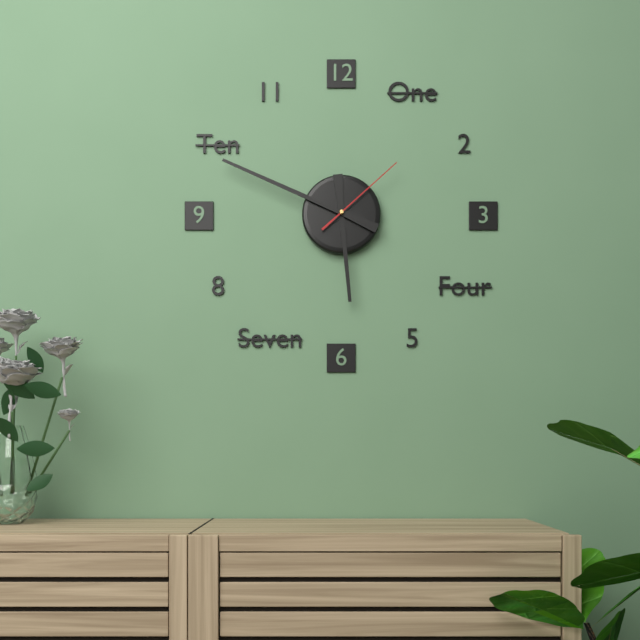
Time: 5h49m08s
